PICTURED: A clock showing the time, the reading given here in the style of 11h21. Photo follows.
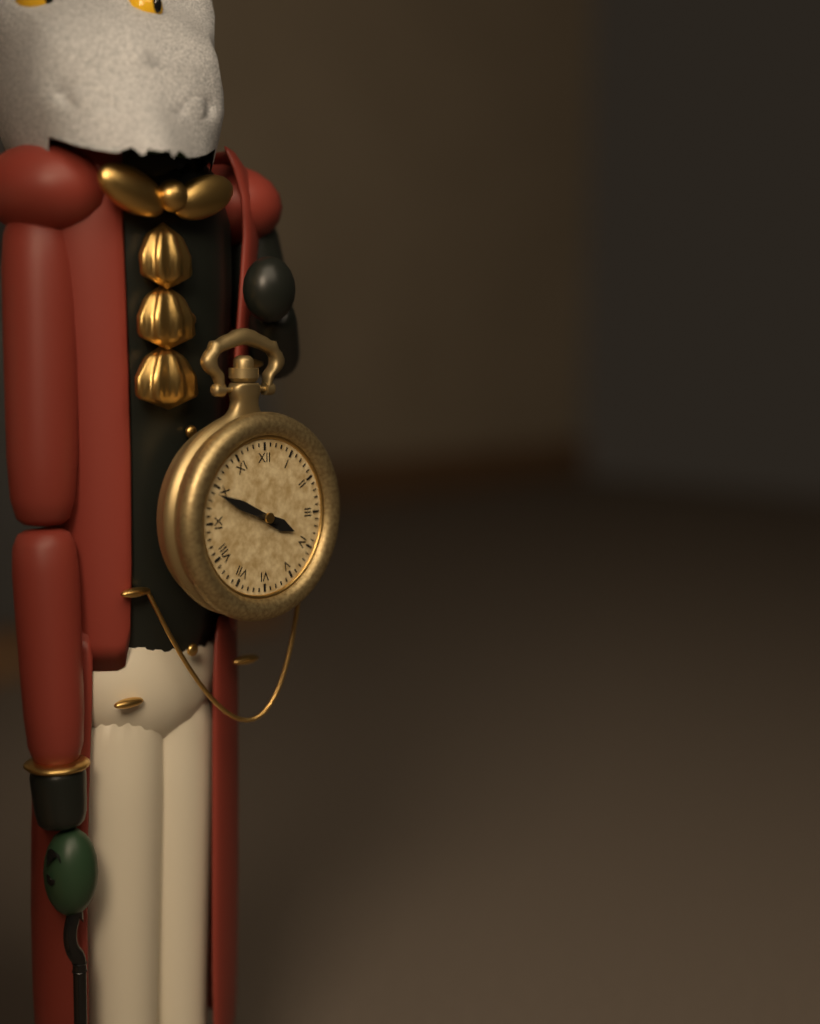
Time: 3h49
